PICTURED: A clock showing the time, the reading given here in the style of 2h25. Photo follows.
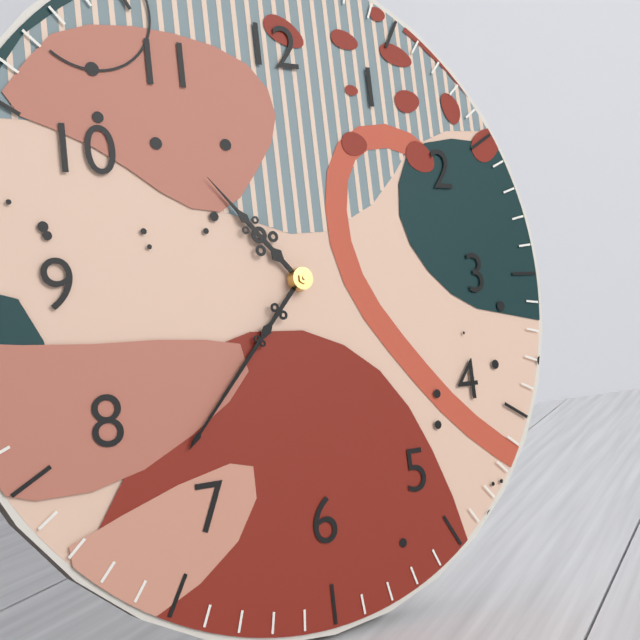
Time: 10h37
